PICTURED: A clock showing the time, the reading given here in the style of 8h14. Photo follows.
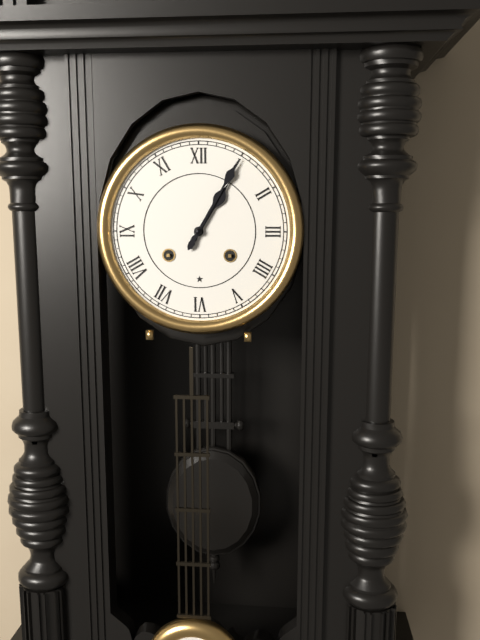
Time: 1h05
